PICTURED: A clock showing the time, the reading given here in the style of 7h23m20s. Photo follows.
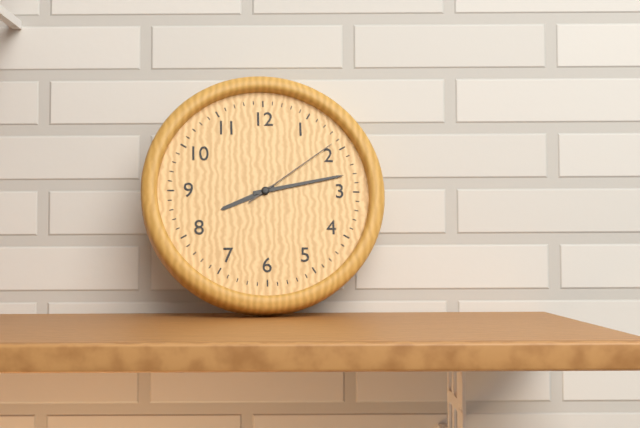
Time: 8h13m09s
